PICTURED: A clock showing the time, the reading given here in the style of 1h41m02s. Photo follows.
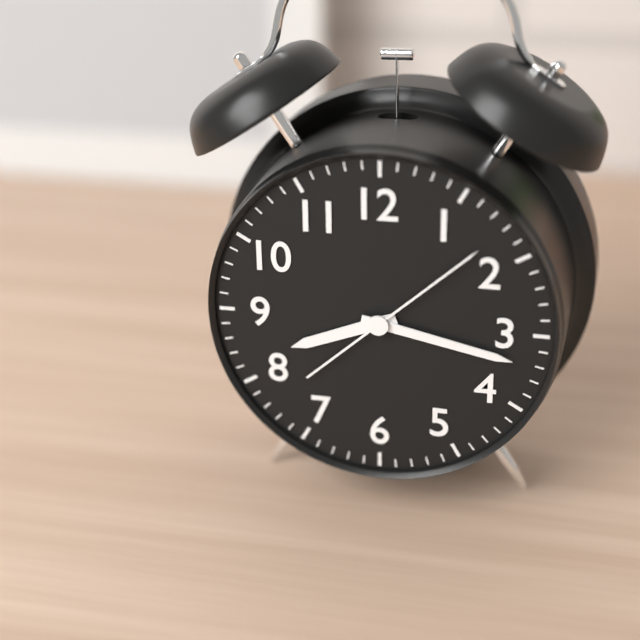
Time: 8h17m08s
